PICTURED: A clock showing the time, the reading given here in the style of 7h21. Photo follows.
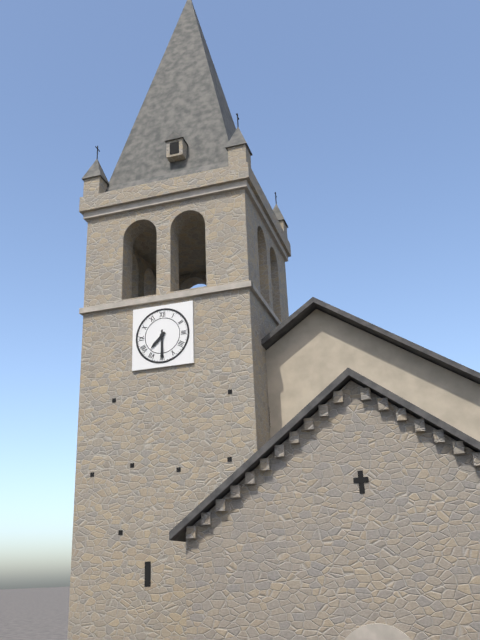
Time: 7h30
